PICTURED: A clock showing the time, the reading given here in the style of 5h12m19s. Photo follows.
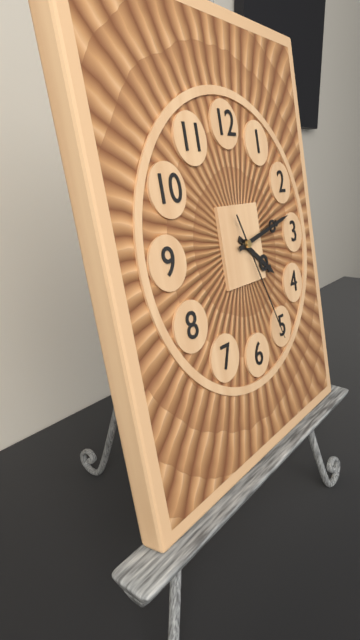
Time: 4h13m26s
